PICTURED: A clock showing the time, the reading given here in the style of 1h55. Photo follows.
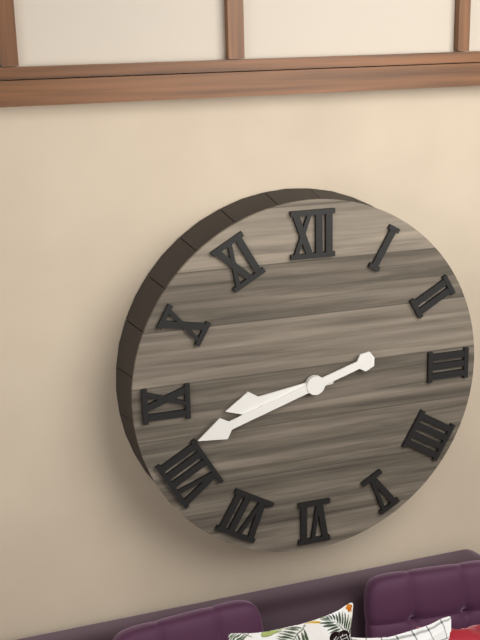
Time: 8h42
